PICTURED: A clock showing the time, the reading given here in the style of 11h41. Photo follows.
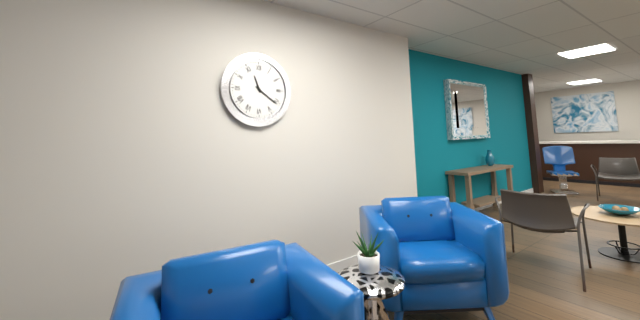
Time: 11h21
